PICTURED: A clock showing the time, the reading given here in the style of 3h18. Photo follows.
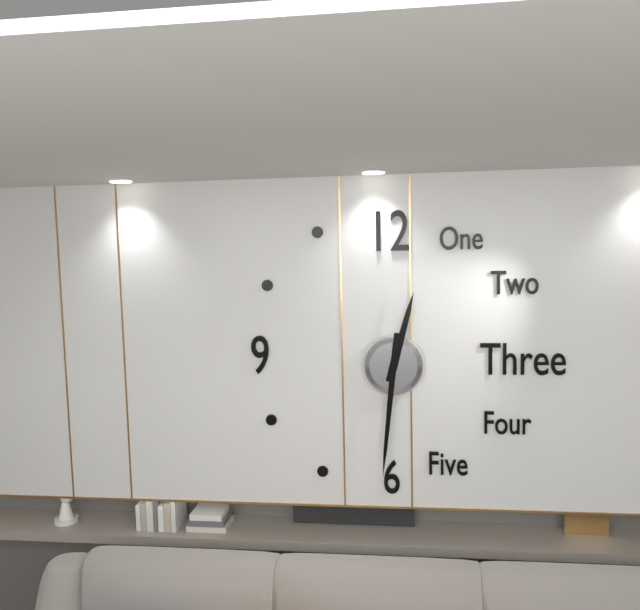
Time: 12h31
